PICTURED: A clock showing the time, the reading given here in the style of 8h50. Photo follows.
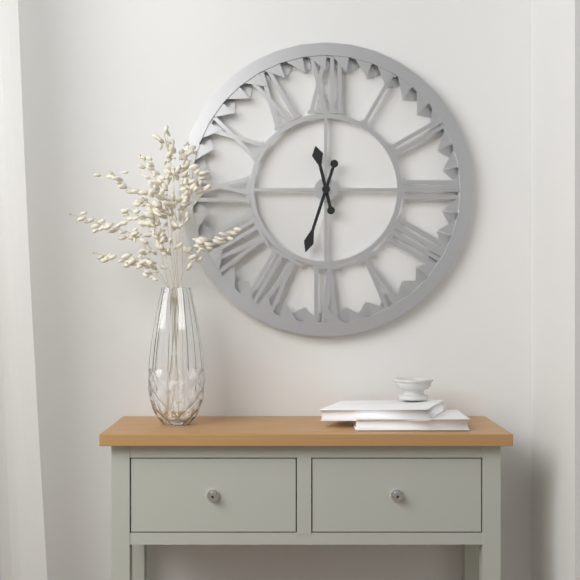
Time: 11h33
